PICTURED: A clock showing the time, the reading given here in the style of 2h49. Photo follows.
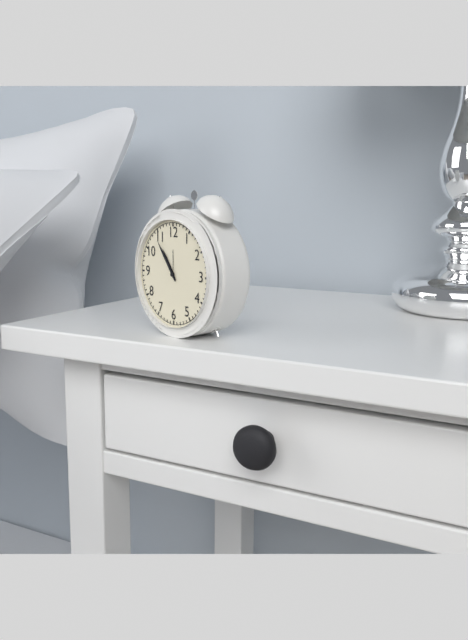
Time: 10h54
